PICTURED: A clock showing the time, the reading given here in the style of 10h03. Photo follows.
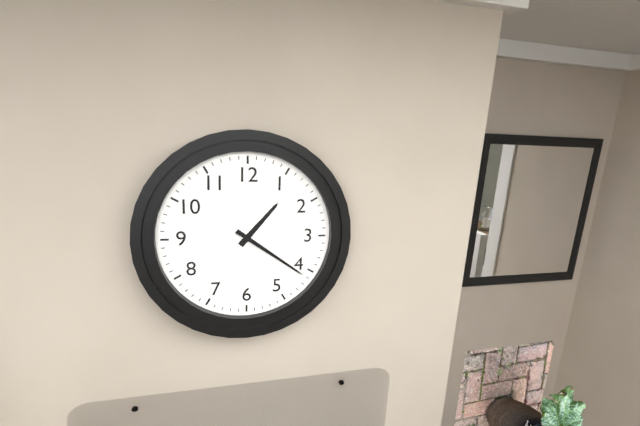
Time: 1h21
